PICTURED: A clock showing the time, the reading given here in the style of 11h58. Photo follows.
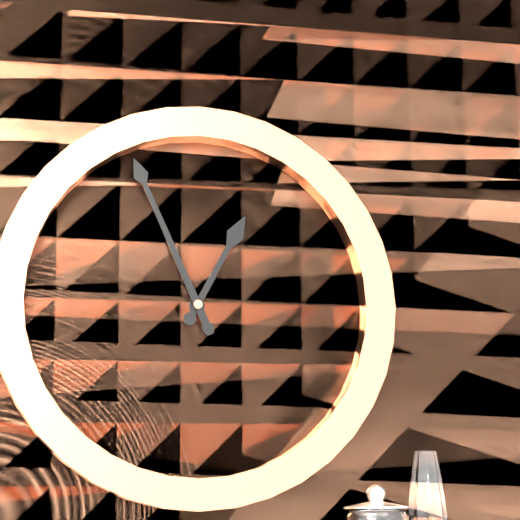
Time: 12h56
